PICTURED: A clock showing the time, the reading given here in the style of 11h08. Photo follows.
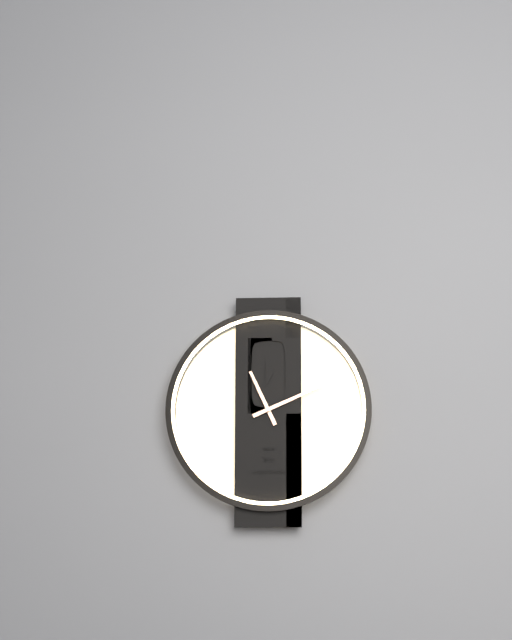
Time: 11h11
